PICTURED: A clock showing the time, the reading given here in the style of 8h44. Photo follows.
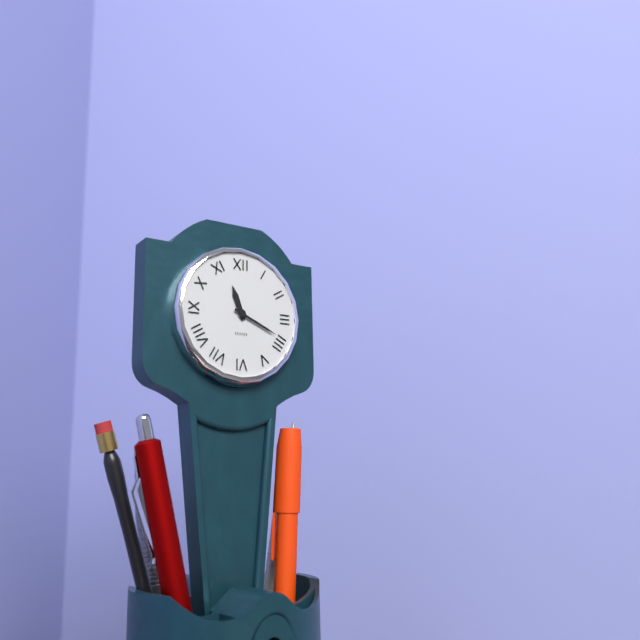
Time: 11h19
